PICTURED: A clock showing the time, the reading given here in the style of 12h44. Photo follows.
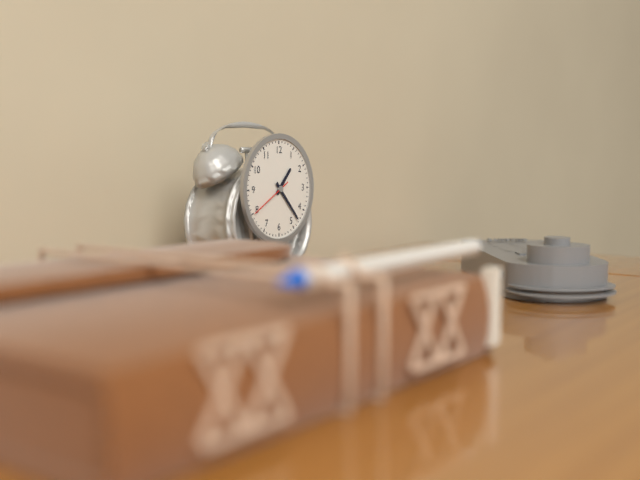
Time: 1h23
